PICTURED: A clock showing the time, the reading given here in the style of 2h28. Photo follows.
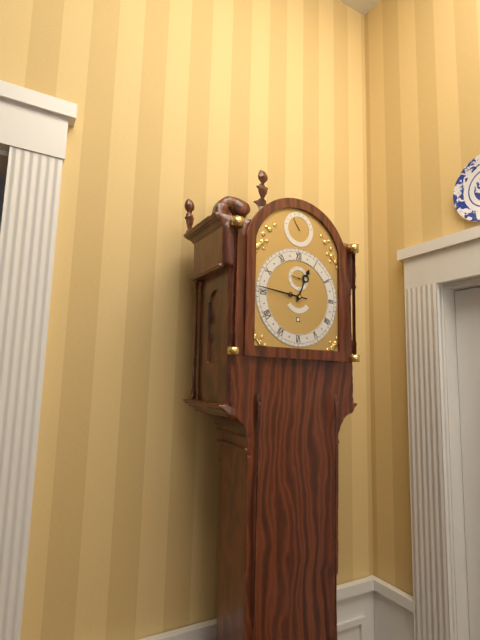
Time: 12h46
